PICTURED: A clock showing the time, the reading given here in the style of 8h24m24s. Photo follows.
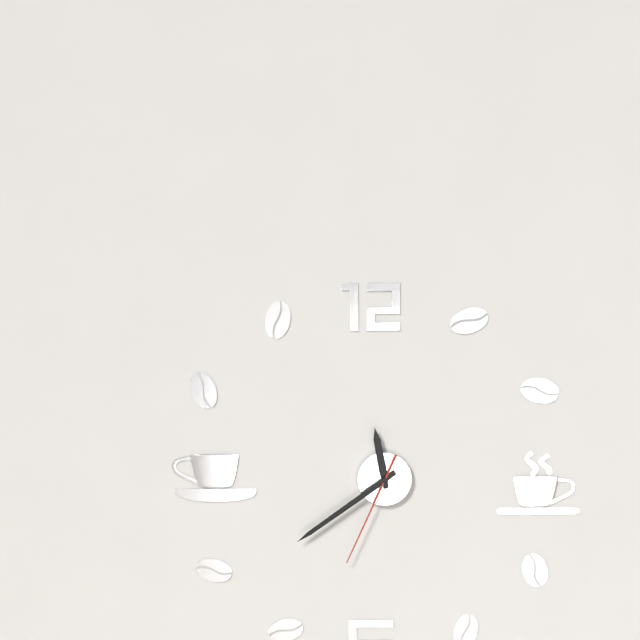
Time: 11h39m34s
